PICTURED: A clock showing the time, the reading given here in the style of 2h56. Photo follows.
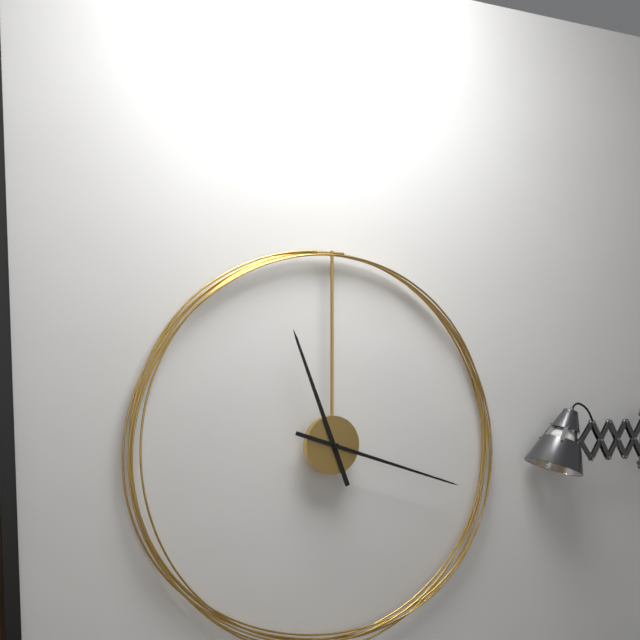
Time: 11h18
